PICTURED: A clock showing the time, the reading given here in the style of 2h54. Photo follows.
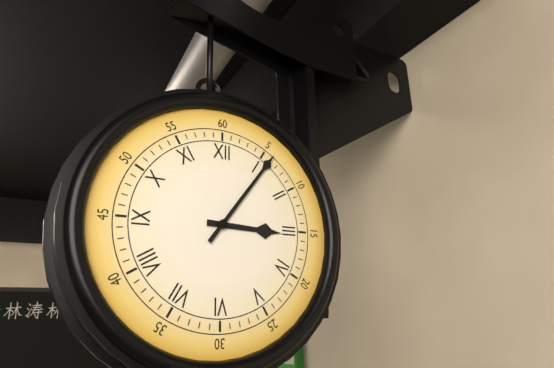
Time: 3h06
